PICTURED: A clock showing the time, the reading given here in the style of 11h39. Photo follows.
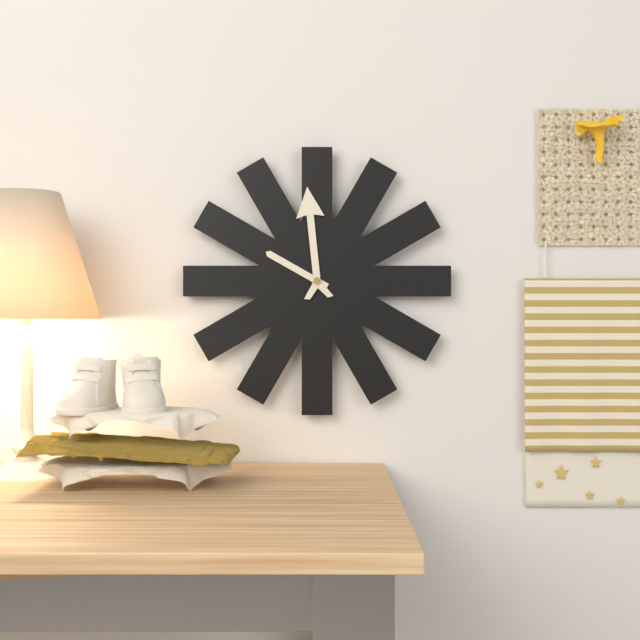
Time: 9h59
